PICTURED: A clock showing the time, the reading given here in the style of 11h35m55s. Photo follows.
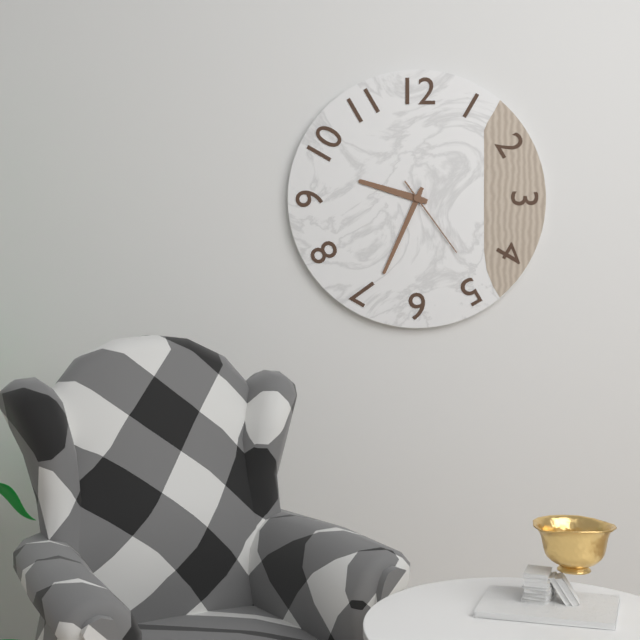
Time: 9h34m24s
